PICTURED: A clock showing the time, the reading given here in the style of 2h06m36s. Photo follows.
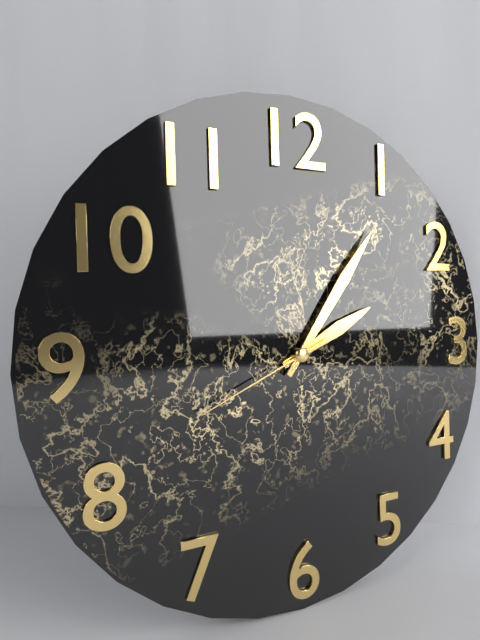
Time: 2h06m41s
